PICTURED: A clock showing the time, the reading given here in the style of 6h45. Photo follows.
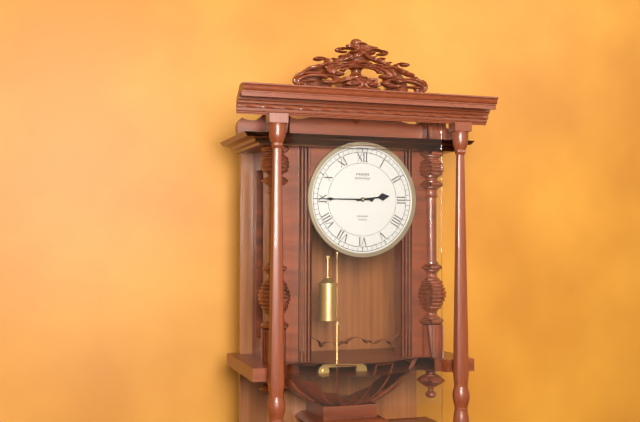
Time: 2h45
